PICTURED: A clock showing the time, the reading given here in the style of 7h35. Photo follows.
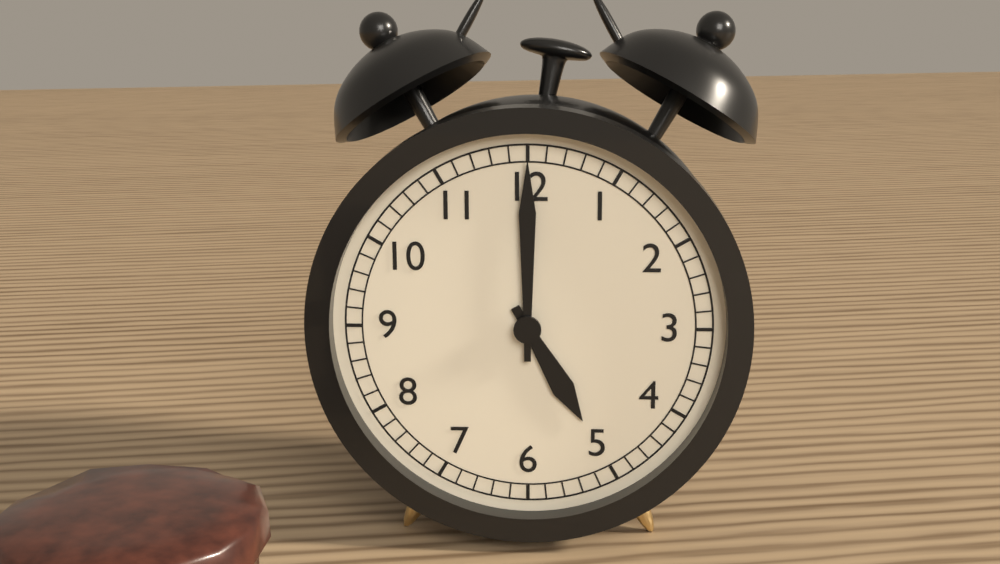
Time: 5h00
